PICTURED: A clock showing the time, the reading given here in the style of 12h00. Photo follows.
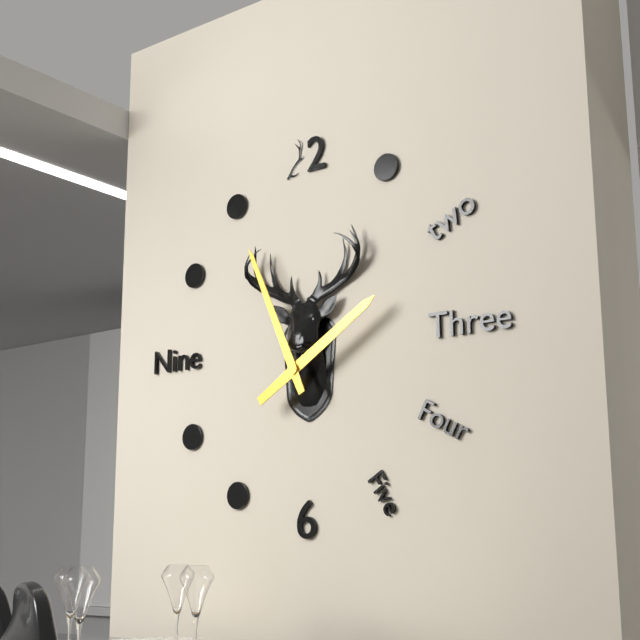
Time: 1h56
